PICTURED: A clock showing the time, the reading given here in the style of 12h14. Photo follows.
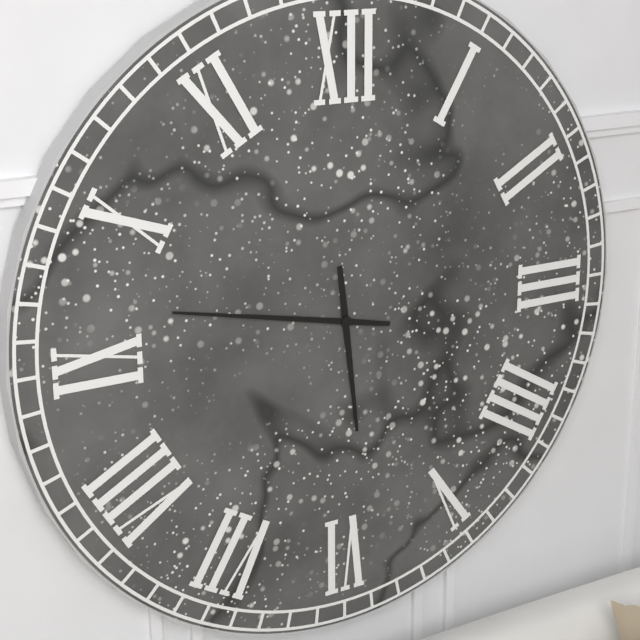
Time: 5h47
